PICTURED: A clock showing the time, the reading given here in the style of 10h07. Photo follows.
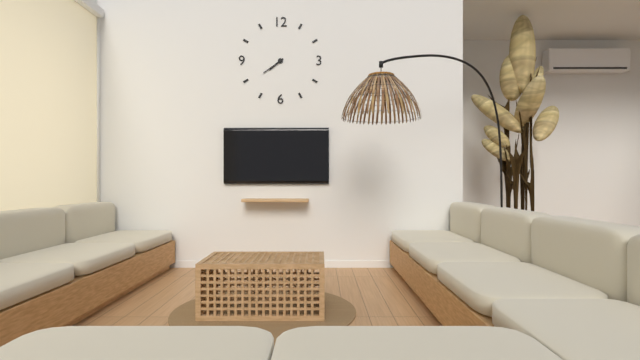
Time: 7h39
